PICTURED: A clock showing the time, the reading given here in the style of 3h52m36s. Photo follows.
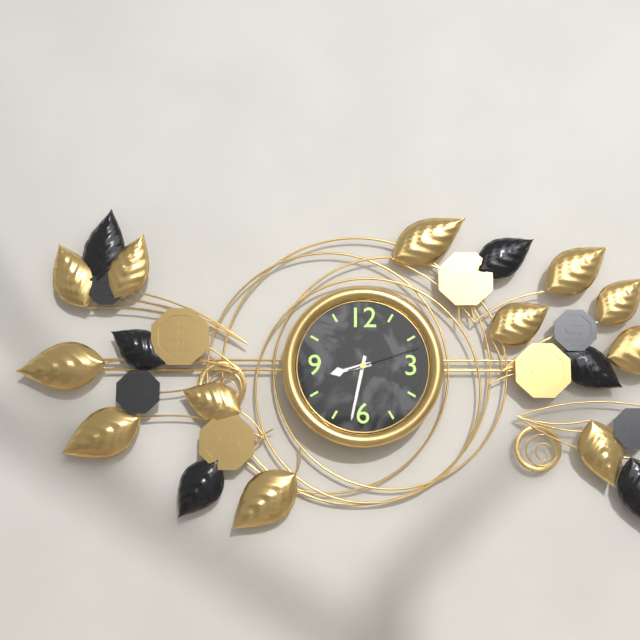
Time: 8h32m12s
